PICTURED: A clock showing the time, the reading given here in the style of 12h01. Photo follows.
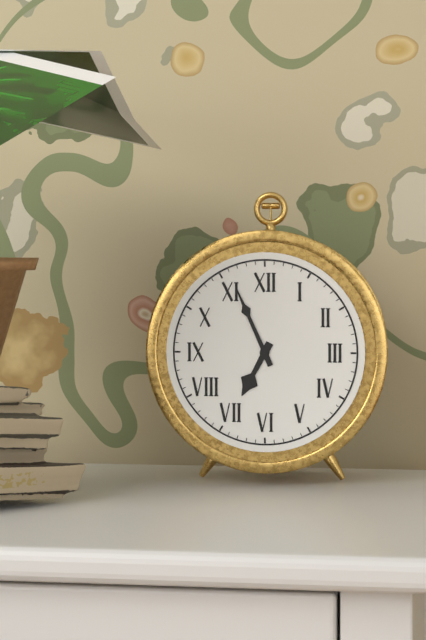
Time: 6h56
